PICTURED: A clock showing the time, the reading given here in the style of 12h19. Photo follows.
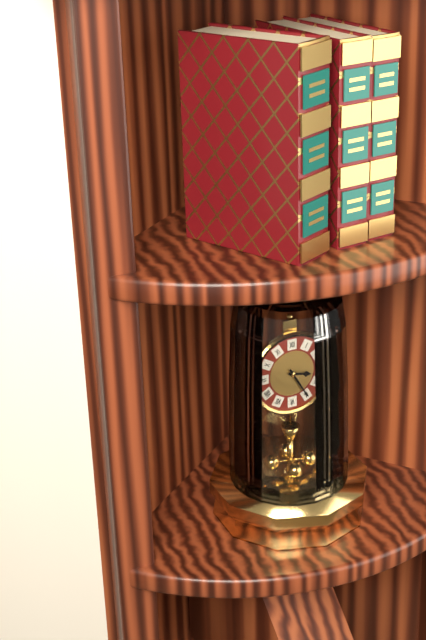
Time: 3h25
